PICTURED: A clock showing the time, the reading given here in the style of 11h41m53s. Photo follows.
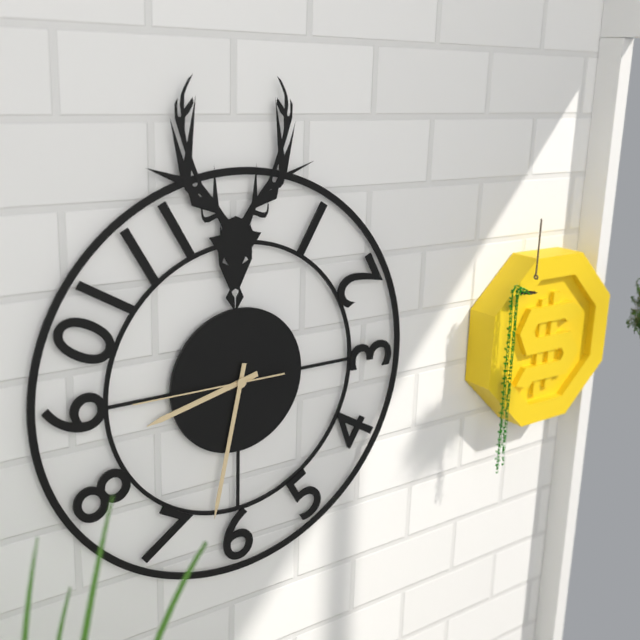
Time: 8h32m45s
